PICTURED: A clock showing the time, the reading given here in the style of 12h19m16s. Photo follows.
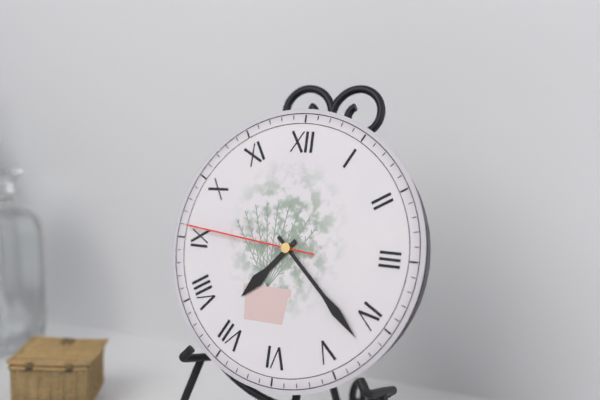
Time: 7h22m46s
